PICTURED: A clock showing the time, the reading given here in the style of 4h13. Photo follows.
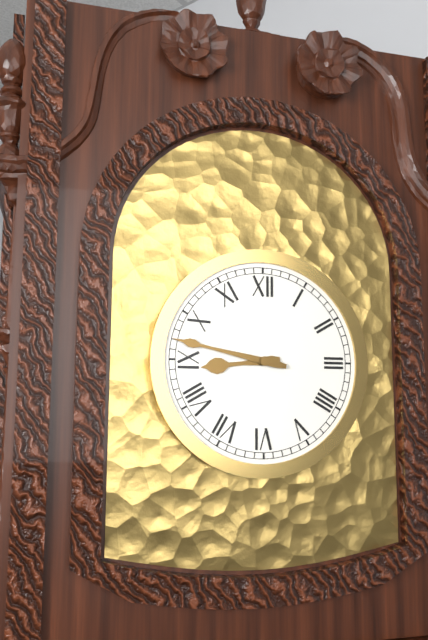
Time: 8h47
